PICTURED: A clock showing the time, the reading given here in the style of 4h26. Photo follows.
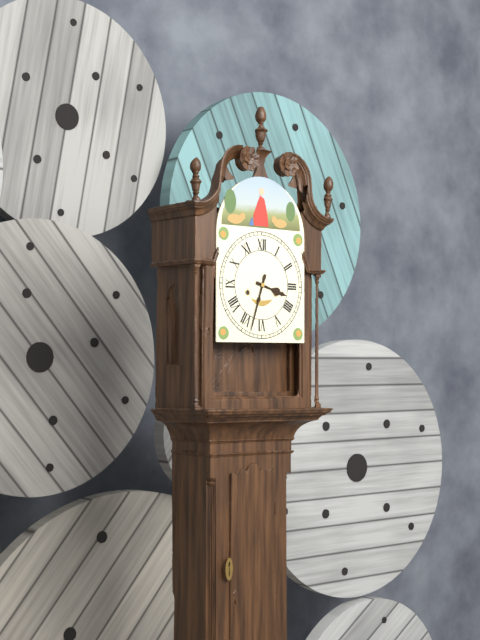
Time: 3h33
